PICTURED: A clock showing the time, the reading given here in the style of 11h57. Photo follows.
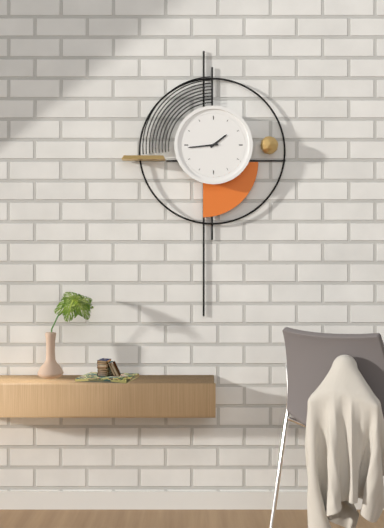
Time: 1h44
